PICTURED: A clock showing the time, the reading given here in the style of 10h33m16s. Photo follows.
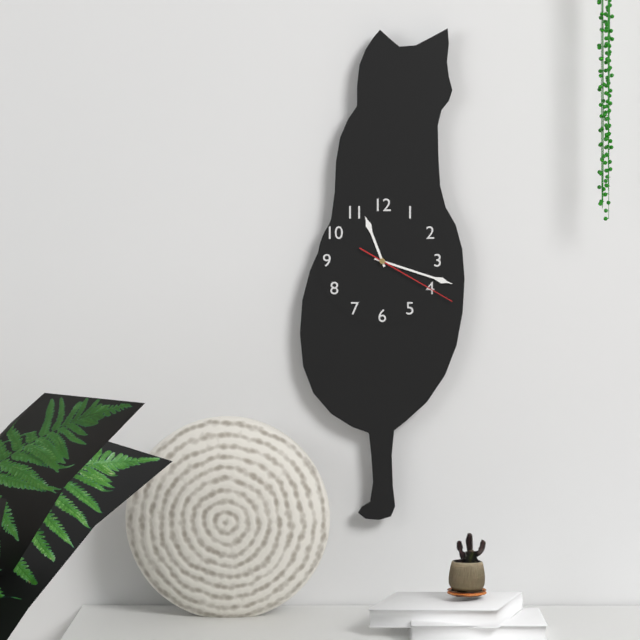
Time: 11h18m20s
